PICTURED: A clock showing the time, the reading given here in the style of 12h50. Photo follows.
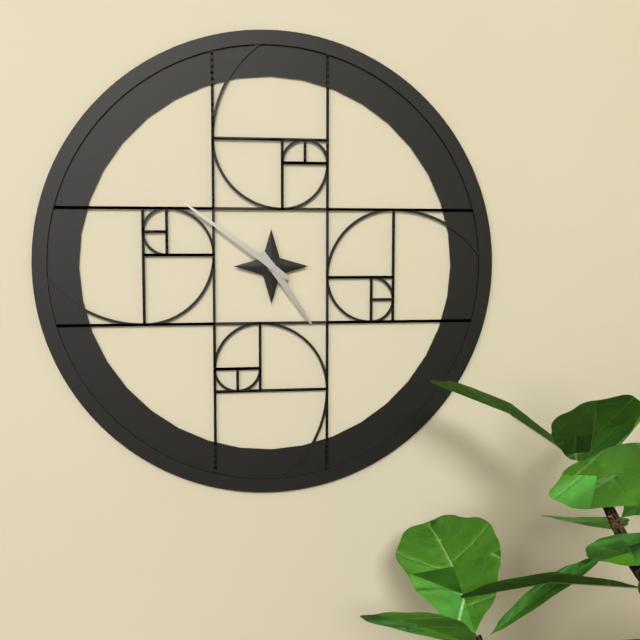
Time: 4h51
